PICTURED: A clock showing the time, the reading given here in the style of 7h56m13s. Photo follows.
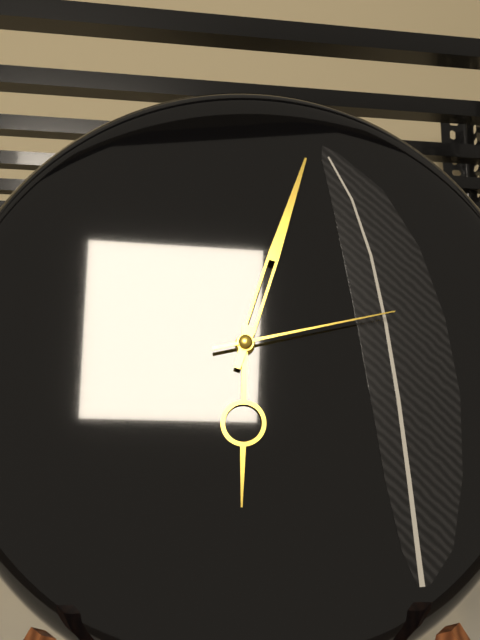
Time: 6h03m13s
